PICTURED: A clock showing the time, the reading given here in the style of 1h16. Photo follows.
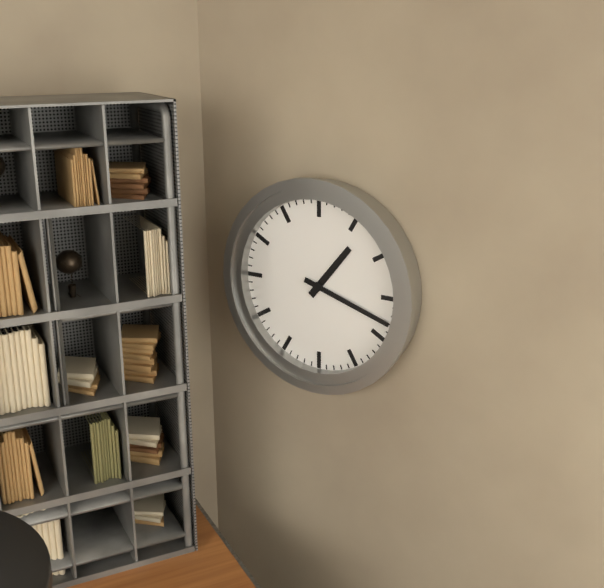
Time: 1h18
